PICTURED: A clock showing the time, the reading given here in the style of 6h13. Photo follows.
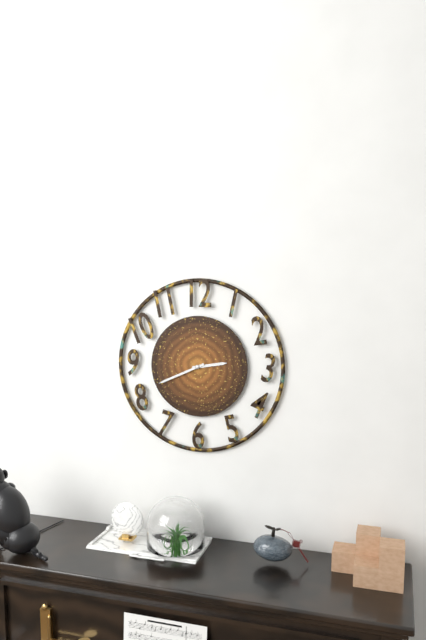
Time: 2h41
